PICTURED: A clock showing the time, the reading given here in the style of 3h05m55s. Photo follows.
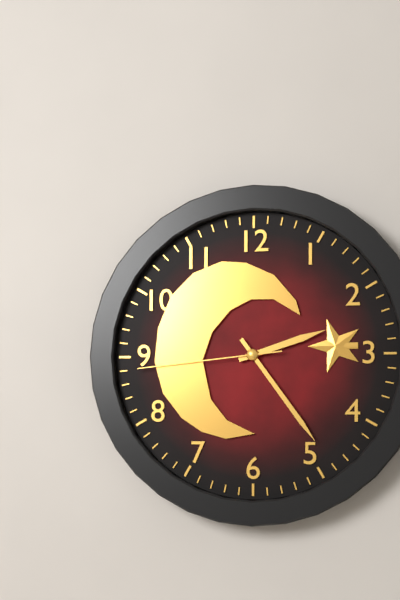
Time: 2h24m44s
